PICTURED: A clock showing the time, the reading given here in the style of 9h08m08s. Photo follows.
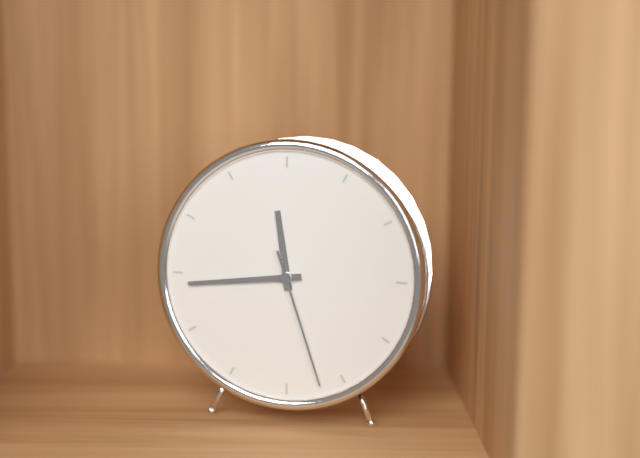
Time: 11h44m27s
